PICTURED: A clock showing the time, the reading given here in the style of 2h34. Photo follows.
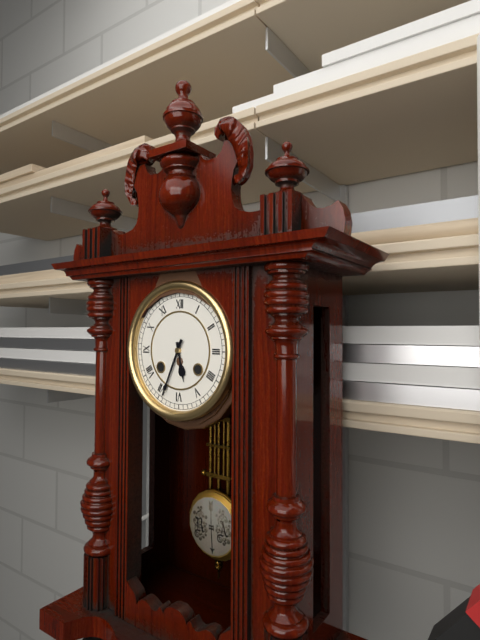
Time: 5h34
